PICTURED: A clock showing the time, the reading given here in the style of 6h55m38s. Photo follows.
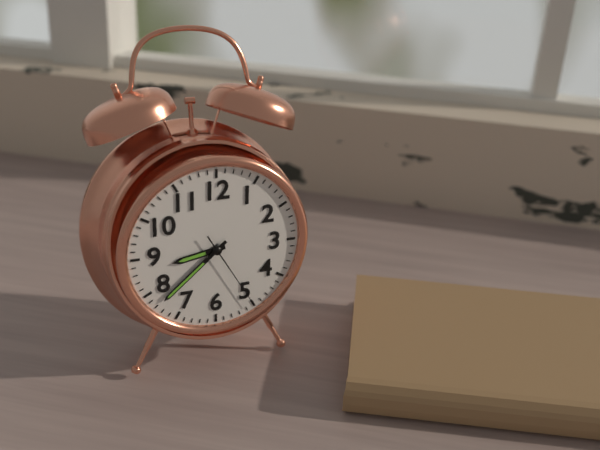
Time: 8h38m25s
